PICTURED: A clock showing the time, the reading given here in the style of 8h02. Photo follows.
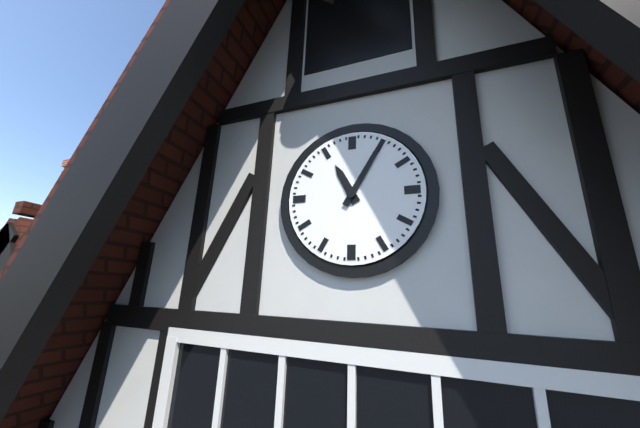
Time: 11h05
